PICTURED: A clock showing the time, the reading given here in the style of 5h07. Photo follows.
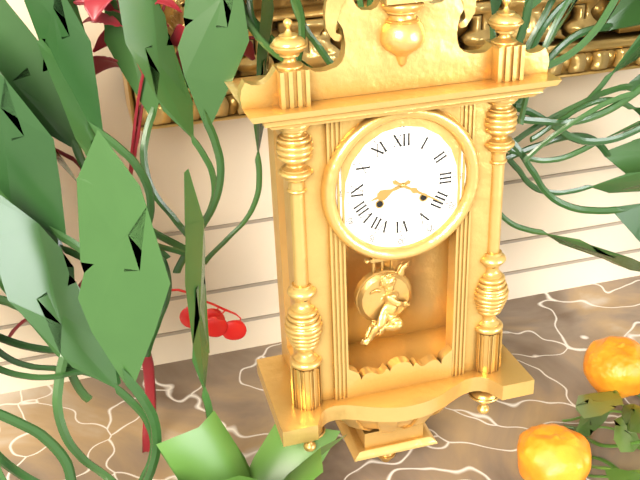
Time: 8h20
